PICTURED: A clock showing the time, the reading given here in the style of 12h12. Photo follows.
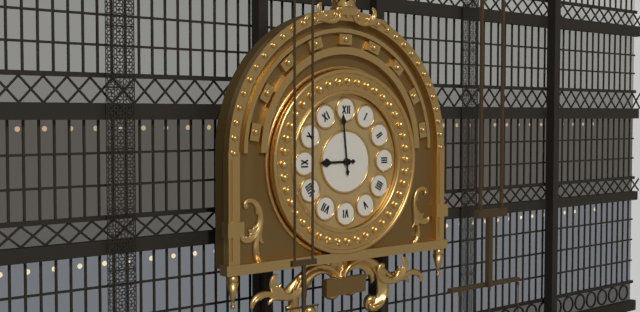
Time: 8h59
